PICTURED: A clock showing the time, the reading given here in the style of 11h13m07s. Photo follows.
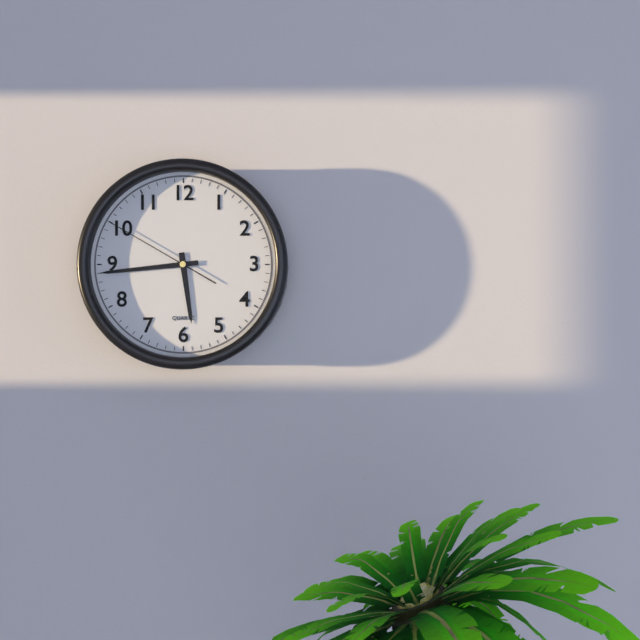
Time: 5h44m50s
